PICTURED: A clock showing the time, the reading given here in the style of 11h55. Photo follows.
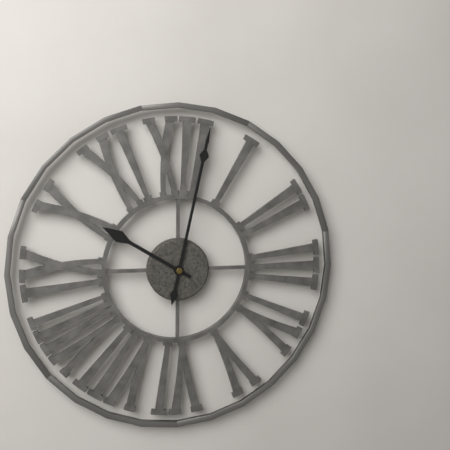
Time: 10h02
